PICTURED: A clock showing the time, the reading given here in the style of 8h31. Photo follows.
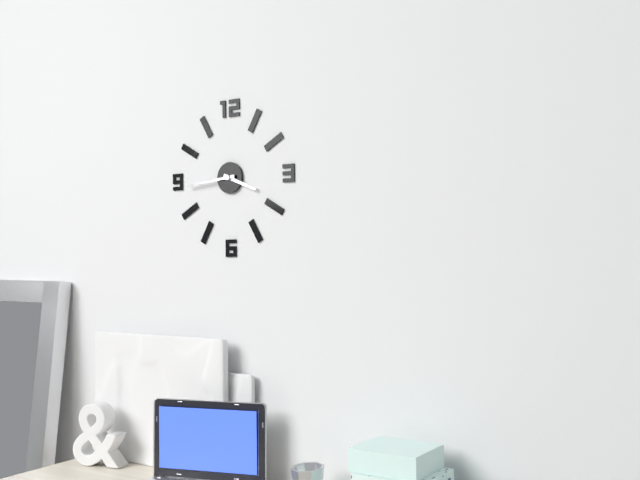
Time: 3h44
